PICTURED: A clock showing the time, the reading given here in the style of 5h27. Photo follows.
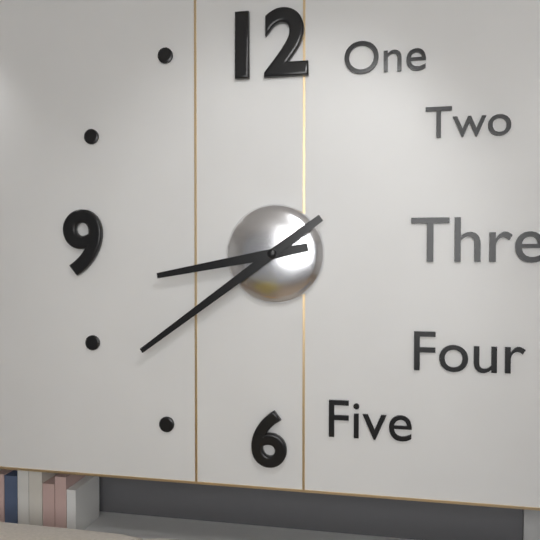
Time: 8h39
